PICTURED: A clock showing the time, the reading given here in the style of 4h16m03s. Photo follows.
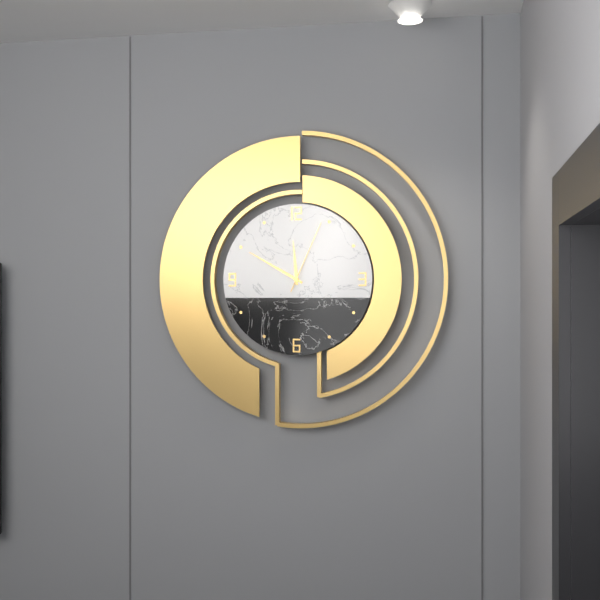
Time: 11h50m04s
